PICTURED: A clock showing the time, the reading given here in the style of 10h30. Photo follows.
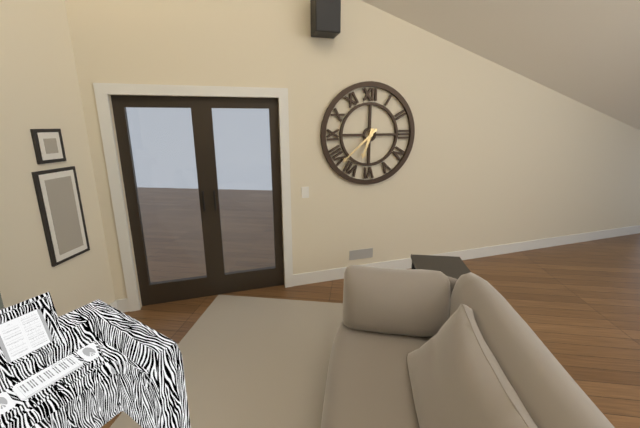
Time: 6h38
